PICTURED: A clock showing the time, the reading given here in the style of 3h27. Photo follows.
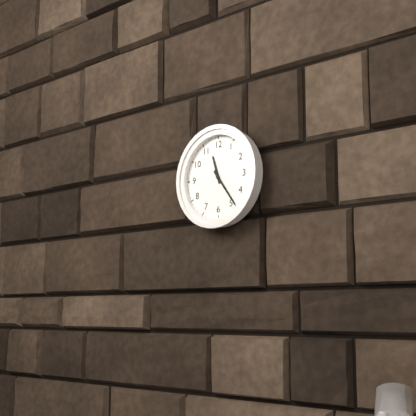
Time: 11h24
